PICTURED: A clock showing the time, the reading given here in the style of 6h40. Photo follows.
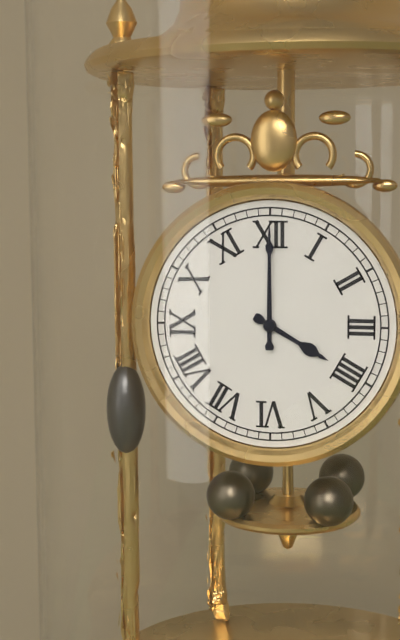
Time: 4h00
